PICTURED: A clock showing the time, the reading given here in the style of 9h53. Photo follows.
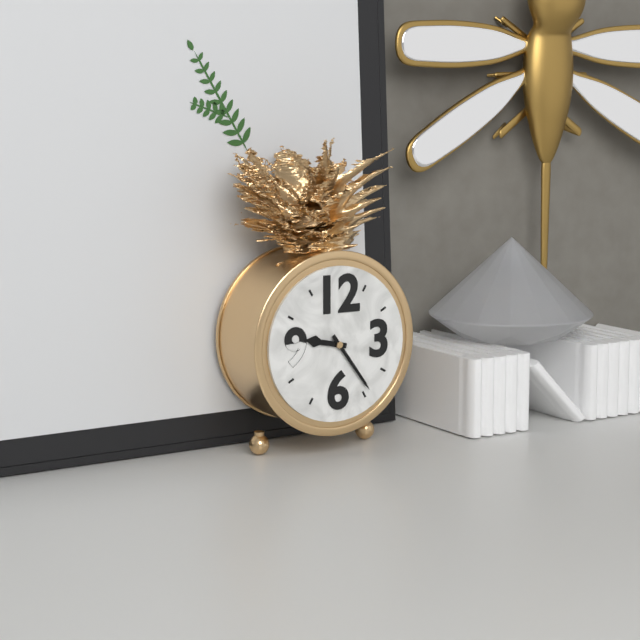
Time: 9h24
